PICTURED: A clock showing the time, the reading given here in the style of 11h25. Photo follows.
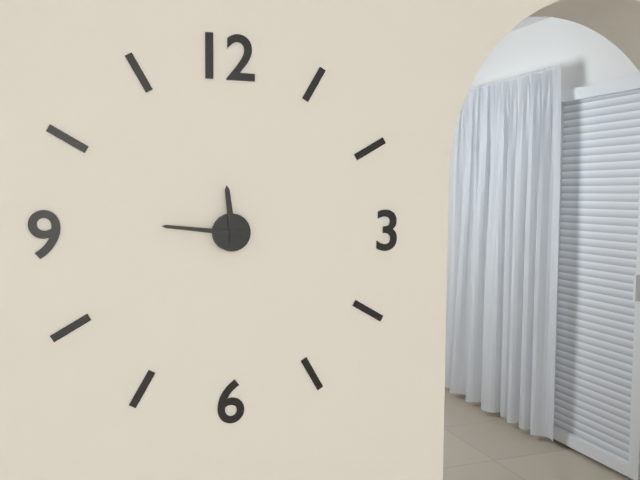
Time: 11h46
